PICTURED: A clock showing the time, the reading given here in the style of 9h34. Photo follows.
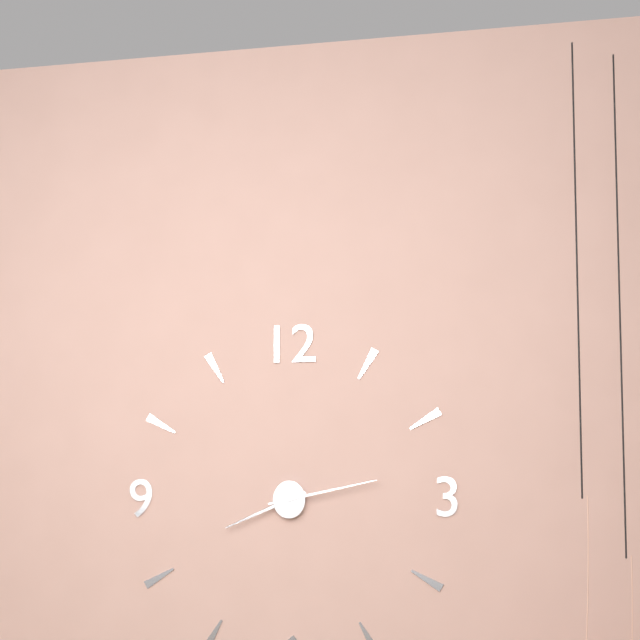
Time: 8h13
